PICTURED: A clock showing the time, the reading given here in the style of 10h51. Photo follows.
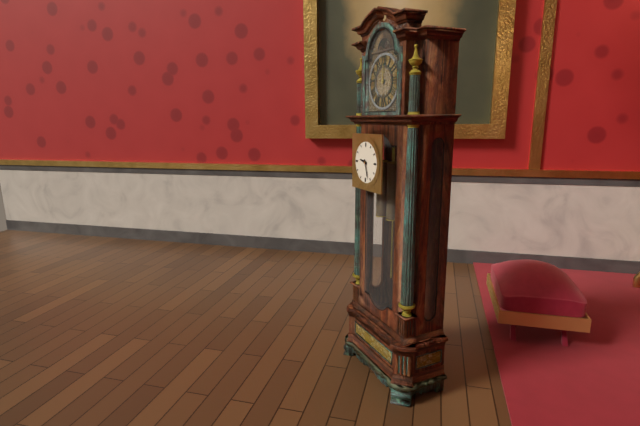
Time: 9h27
